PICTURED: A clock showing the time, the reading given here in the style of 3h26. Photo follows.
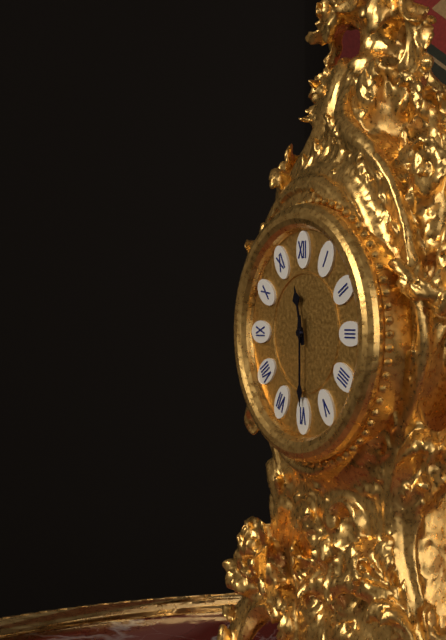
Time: 11h30
